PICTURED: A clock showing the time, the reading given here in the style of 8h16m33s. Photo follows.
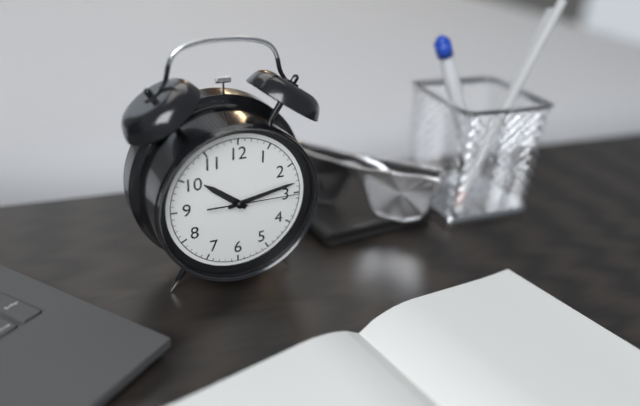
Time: 10h13m15s
